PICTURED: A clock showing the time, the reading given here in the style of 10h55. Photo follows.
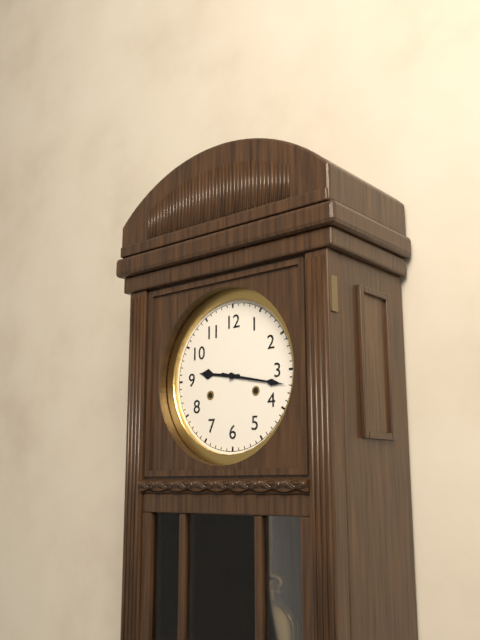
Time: 9h17
